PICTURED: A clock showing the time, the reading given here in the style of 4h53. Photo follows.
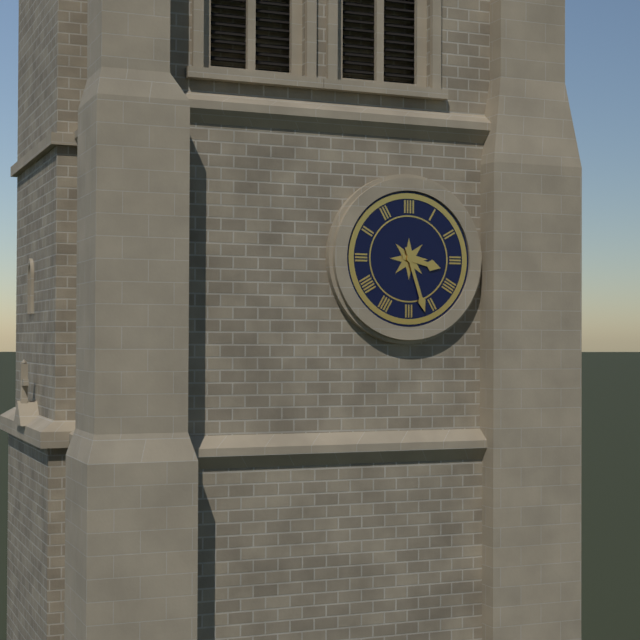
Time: 3h27
